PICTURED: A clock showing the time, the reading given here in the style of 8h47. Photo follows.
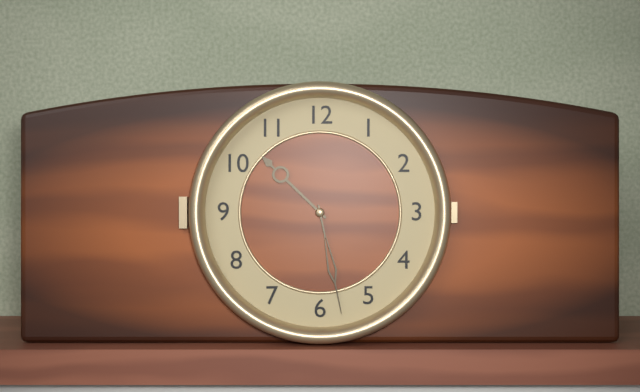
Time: 10h28
